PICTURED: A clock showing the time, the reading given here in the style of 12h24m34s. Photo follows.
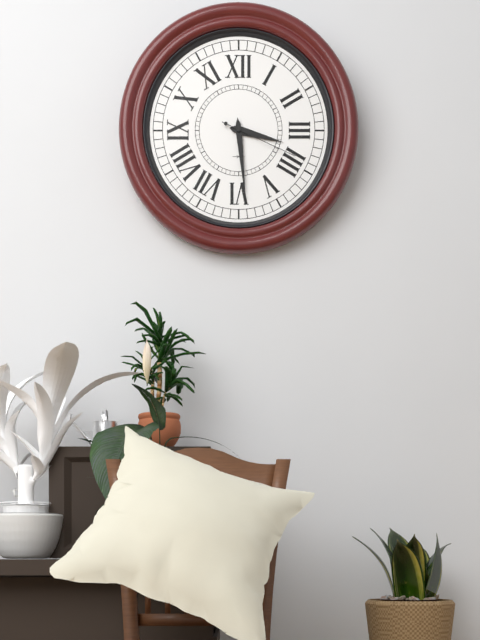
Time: 3h29m19s
